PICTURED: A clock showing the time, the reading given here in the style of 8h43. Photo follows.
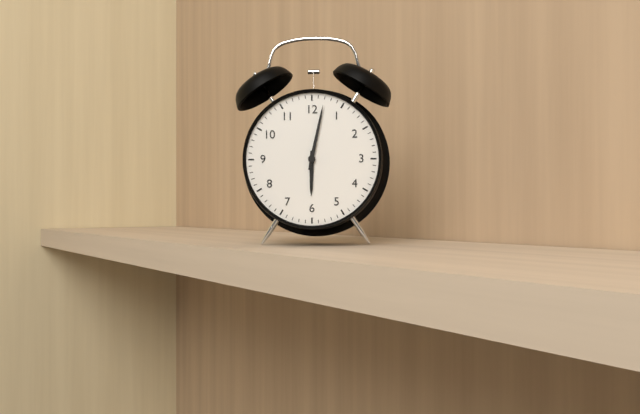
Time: 6h02
